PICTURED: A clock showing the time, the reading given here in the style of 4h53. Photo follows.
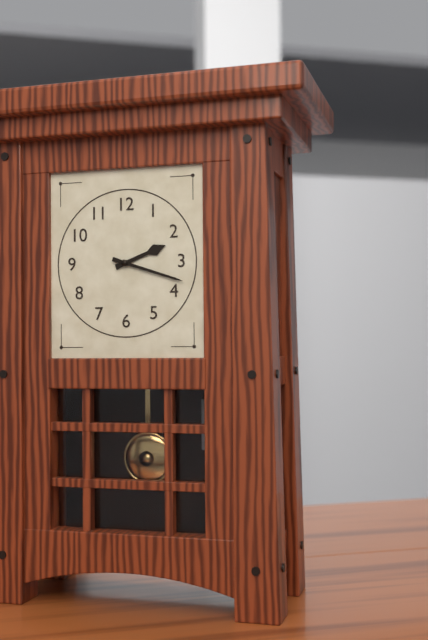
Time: 2h18
